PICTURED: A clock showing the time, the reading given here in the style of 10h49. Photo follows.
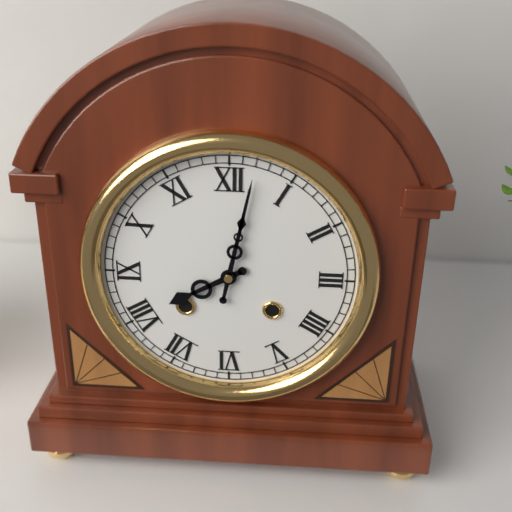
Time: 8h02
